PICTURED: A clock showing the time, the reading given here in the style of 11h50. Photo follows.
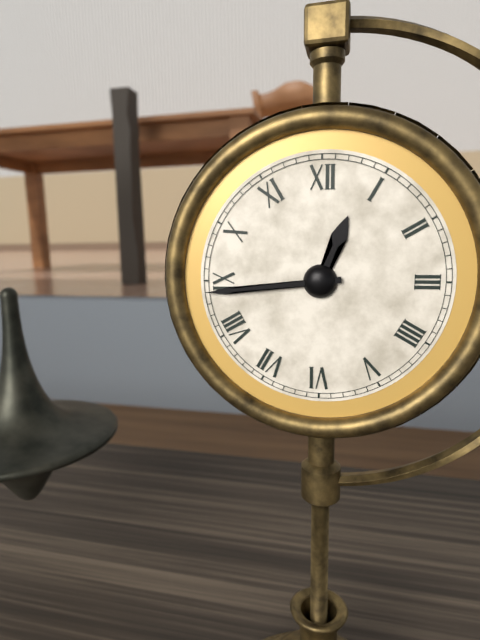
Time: 12h44
